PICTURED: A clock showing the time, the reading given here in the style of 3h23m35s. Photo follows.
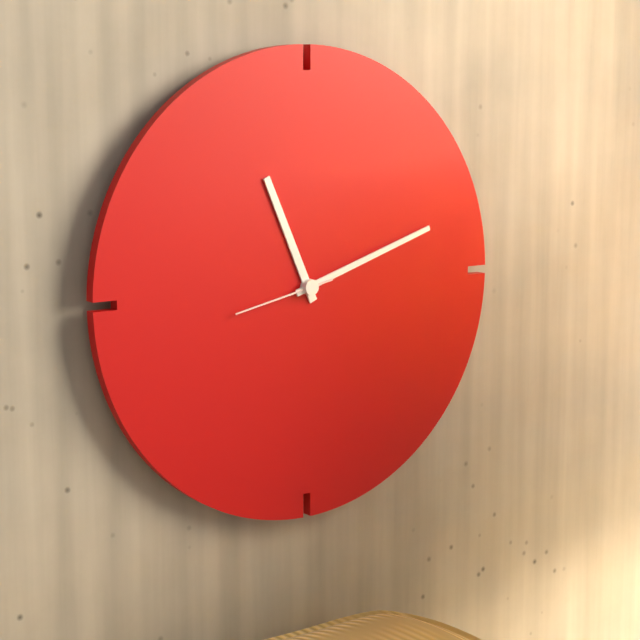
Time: 11h12m43s
